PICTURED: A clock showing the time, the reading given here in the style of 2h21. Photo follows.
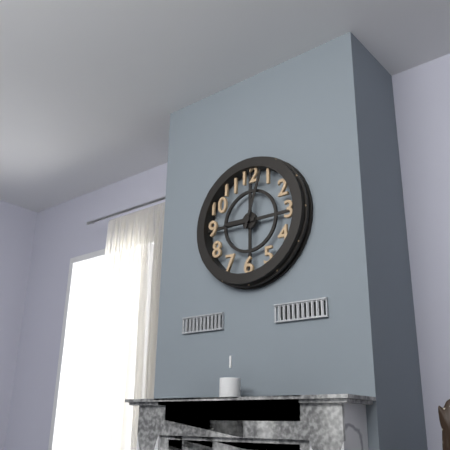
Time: 9h03
